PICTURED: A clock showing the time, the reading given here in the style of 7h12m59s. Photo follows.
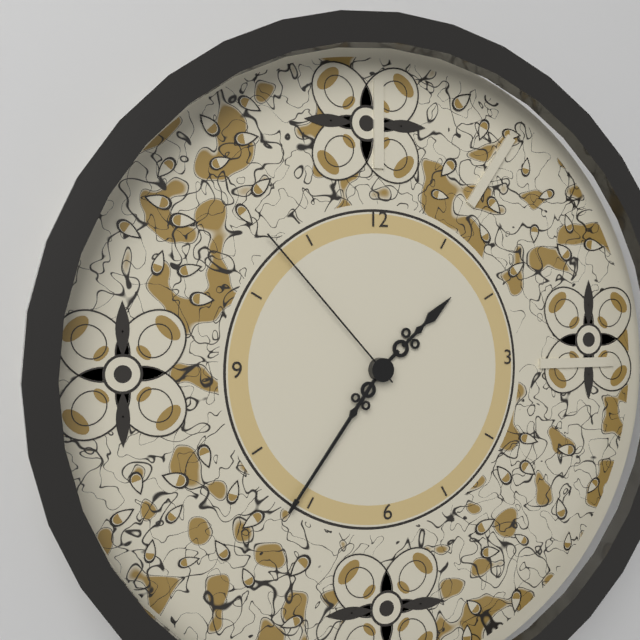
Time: 1h36m53s
